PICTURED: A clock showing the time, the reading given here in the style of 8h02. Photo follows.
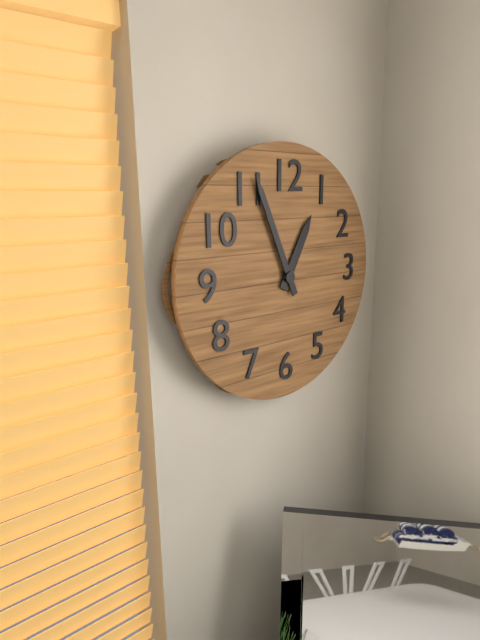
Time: 12h56
